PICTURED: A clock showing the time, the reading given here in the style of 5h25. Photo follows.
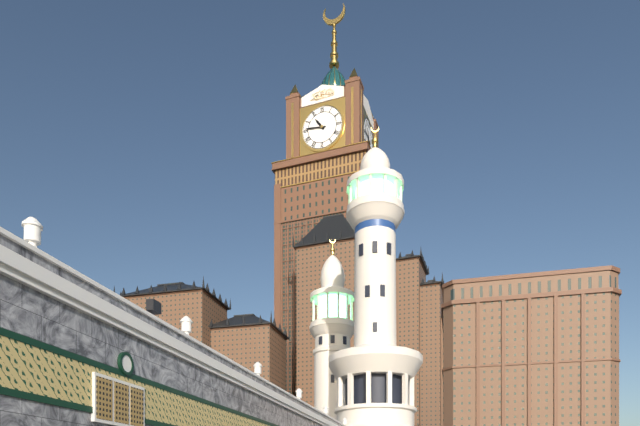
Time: 10h46
